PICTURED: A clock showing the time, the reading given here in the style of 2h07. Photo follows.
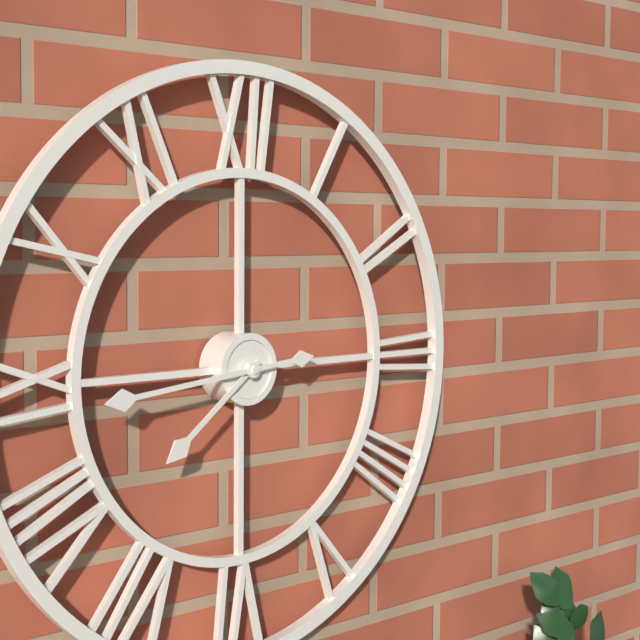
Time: 7h44
